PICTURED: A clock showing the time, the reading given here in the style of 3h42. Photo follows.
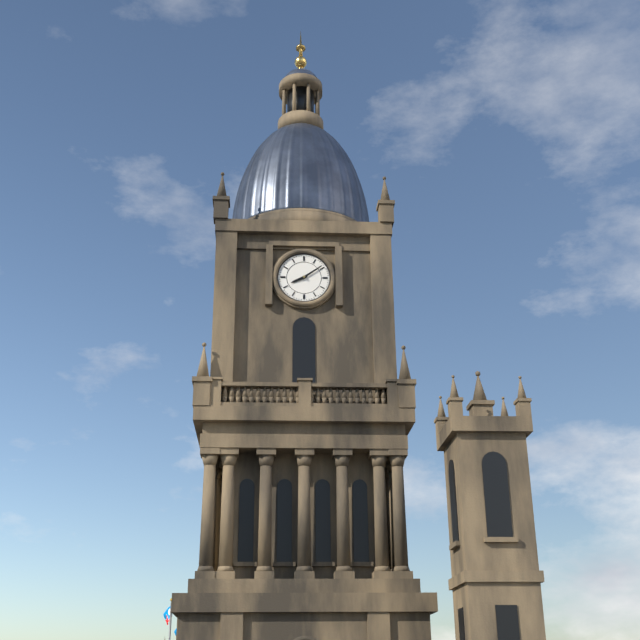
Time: 8h09
